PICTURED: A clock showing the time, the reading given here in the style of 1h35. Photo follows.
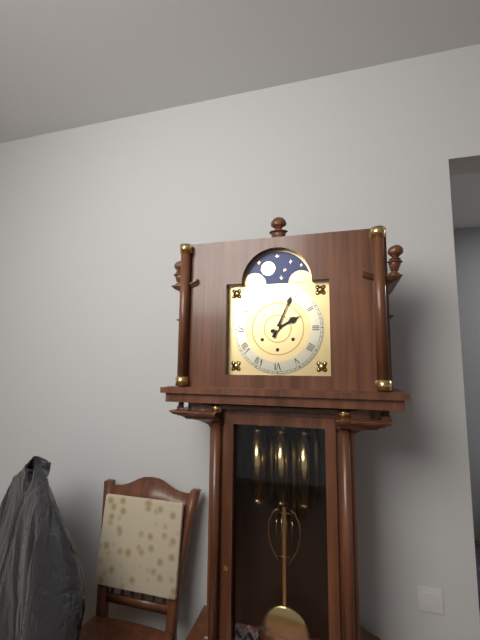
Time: 2h04
